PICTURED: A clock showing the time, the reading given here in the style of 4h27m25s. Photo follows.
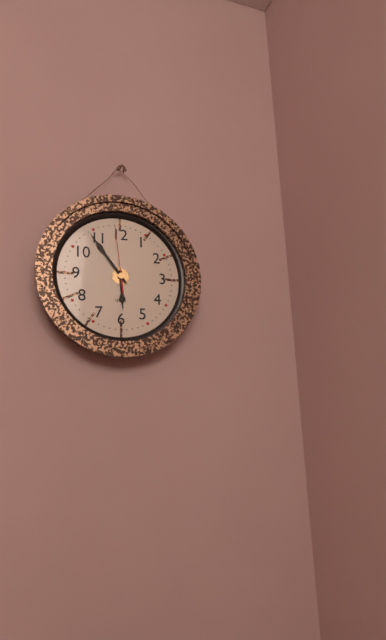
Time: 5h54m59s
